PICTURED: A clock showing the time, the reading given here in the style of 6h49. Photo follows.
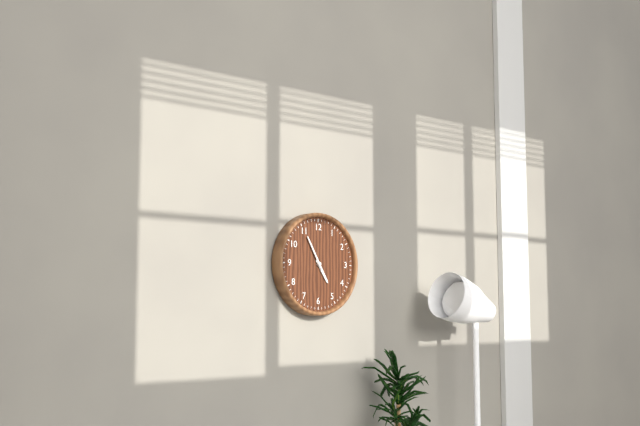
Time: 4h55
